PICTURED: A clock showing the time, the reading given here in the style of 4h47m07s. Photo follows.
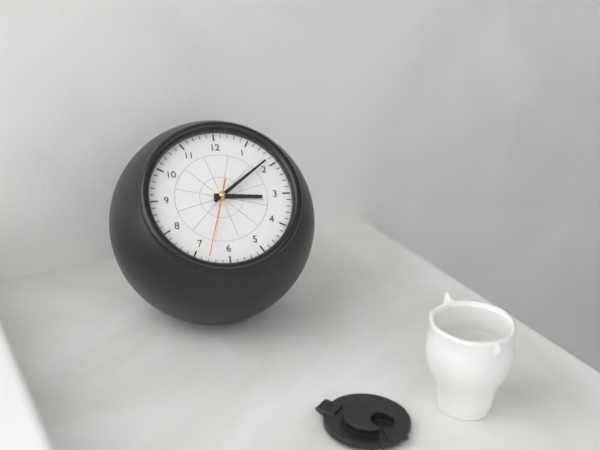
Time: 3h09m33s
